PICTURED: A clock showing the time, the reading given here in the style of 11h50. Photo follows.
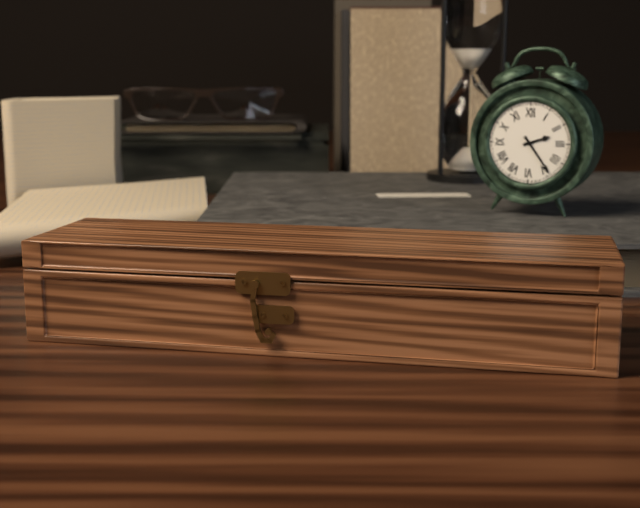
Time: 2h24
